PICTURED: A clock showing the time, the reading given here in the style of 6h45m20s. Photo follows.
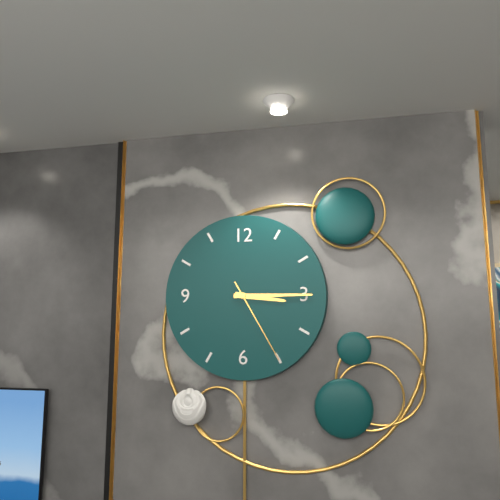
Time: 3h15m25s
